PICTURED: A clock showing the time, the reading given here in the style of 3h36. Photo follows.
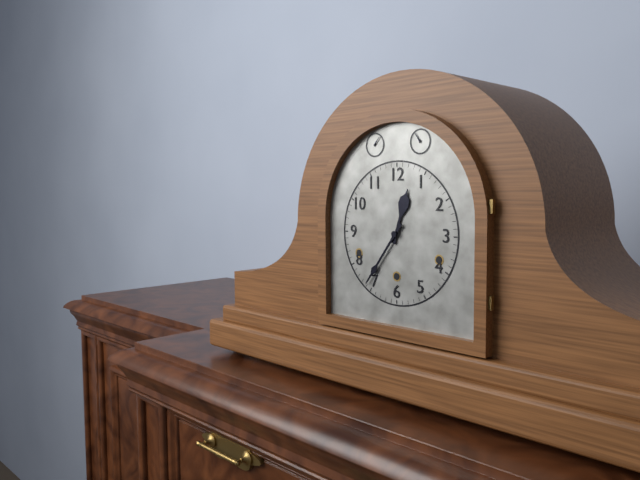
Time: 12h36
